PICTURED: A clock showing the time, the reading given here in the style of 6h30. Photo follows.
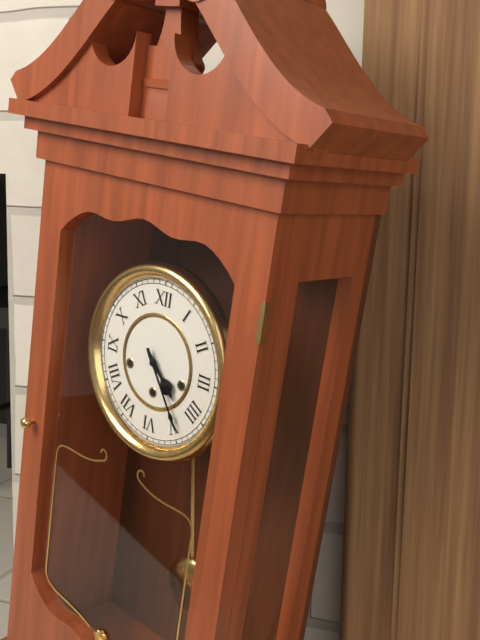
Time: 4h24
